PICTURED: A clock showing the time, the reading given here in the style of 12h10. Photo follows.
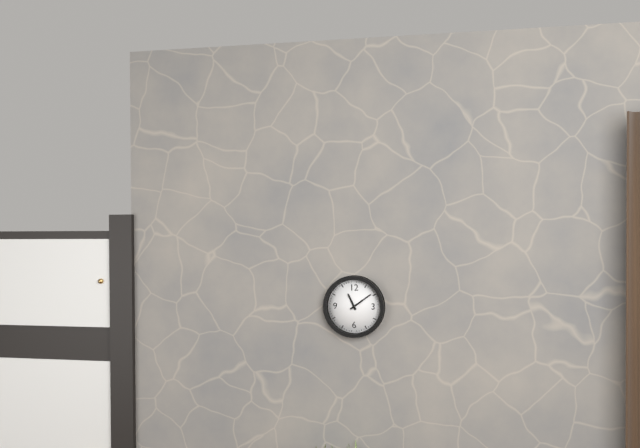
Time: 11h09
